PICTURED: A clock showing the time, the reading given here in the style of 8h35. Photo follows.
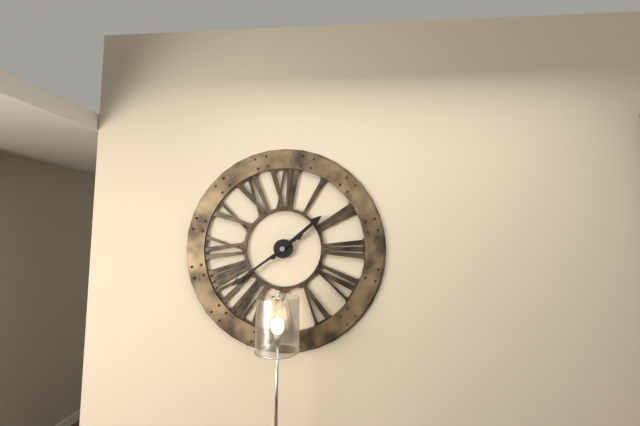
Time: 1h39
